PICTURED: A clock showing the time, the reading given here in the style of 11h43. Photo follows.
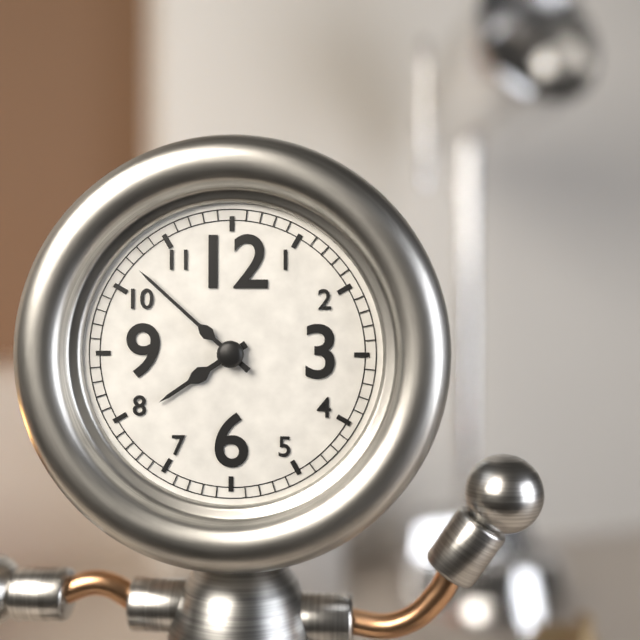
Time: 7h52
